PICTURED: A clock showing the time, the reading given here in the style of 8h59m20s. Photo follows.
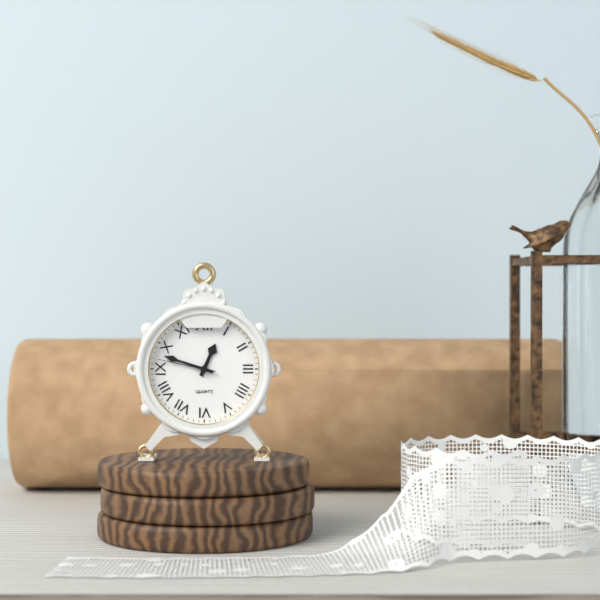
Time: 12h48m47s
